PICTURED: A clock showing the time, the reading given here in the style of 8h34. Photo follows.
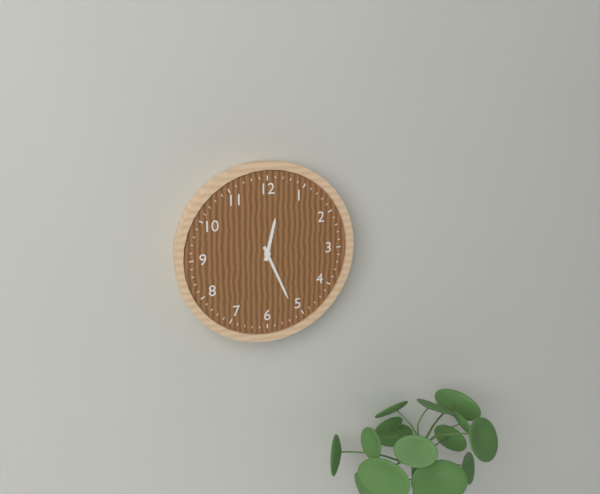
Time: 12h26
